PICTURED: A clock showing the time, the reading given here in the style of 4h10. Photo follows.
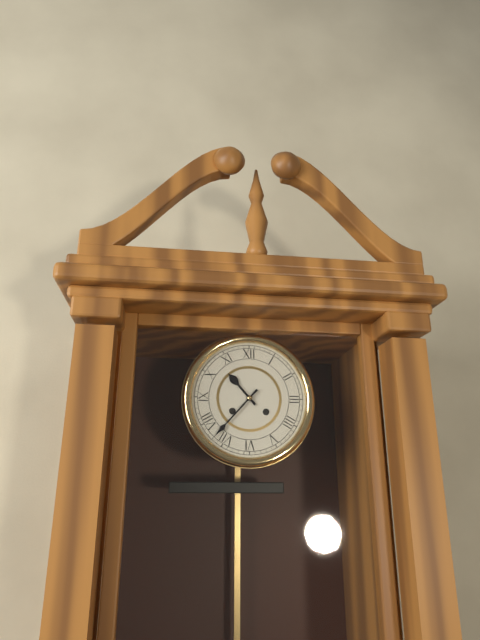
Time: 10h37
